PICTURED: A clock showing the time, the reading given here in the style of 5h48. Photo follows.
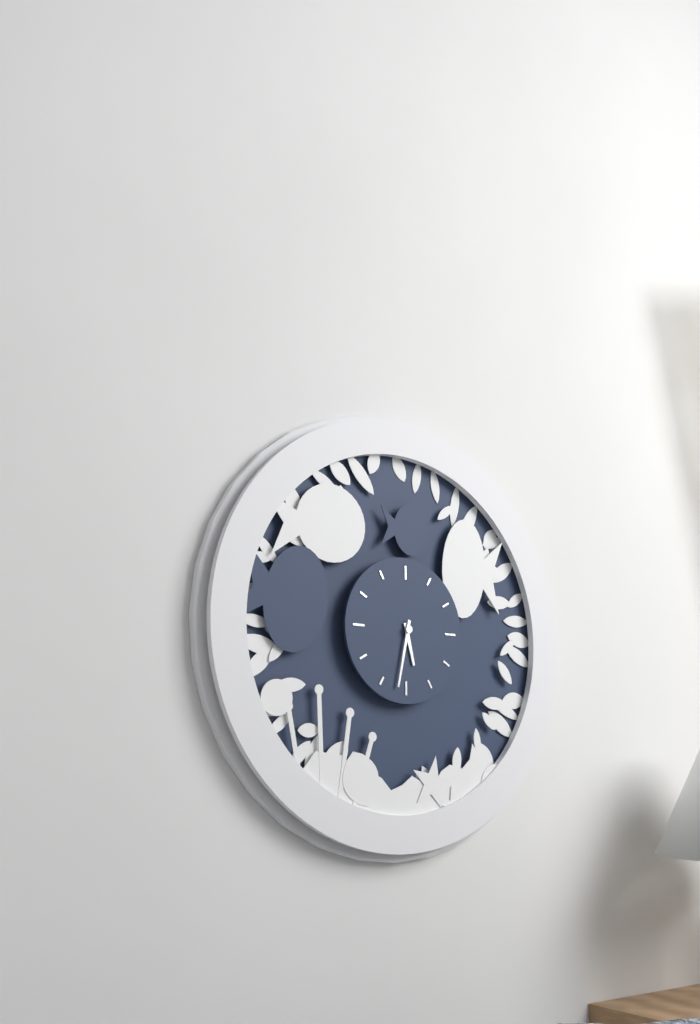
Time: 5h32
